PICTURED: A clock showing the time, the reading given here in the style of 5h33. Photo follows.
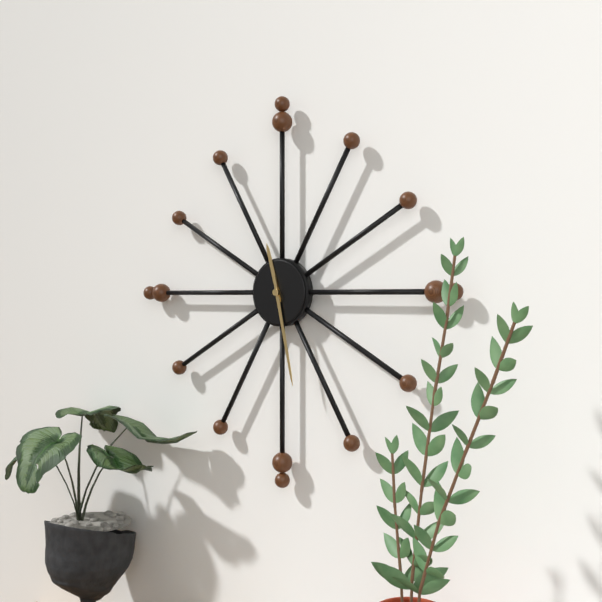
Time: 11h28
